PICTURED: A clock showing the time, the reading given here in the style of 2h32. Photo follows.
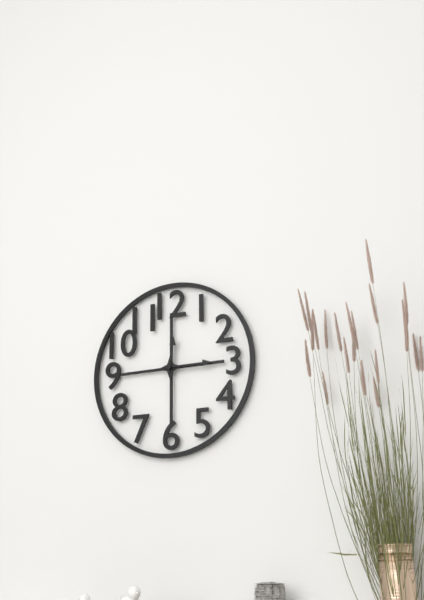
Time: 12h15
